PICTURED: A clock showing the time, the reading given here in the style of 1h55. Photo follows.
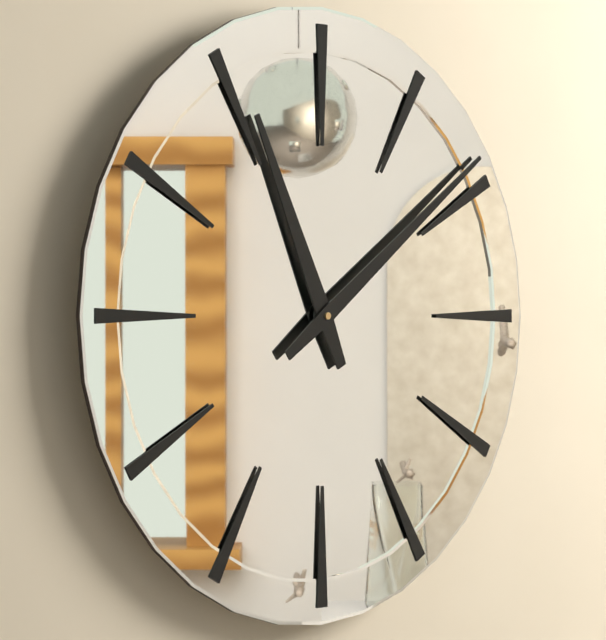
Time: 11h09
